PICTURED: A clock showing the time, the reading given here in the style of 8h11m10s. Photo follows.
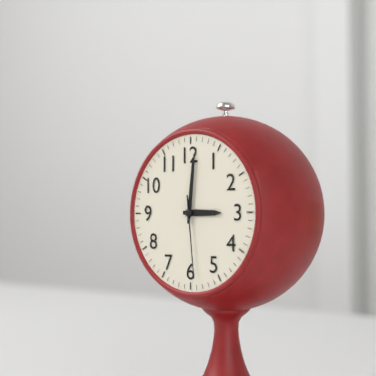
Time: 3h01m29s
